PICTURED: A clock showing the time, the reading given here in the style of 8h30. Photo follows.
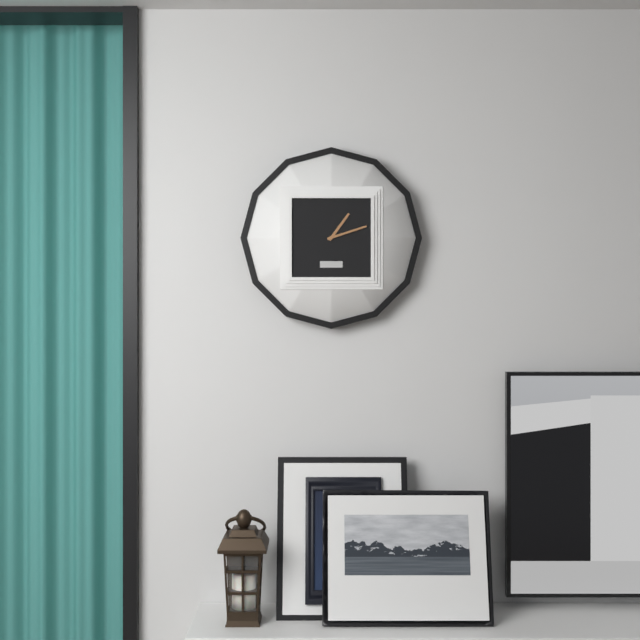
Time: 1h12
